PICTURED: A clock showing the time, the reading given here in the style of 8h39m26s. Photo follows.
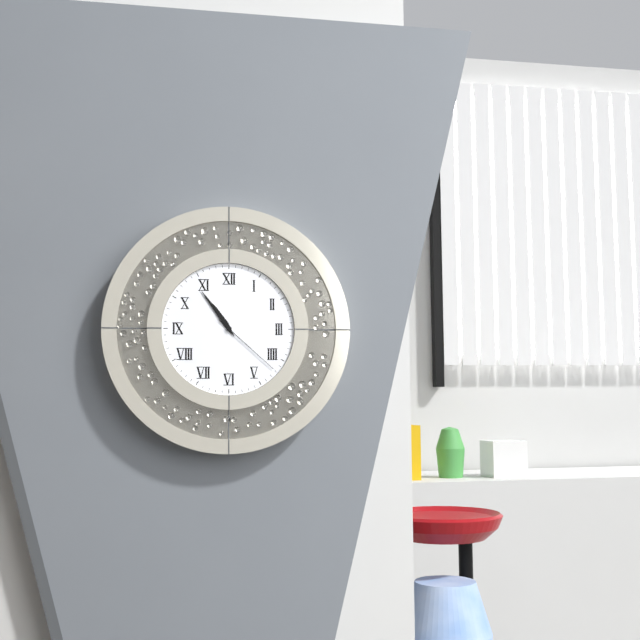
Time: 10h54m22s
